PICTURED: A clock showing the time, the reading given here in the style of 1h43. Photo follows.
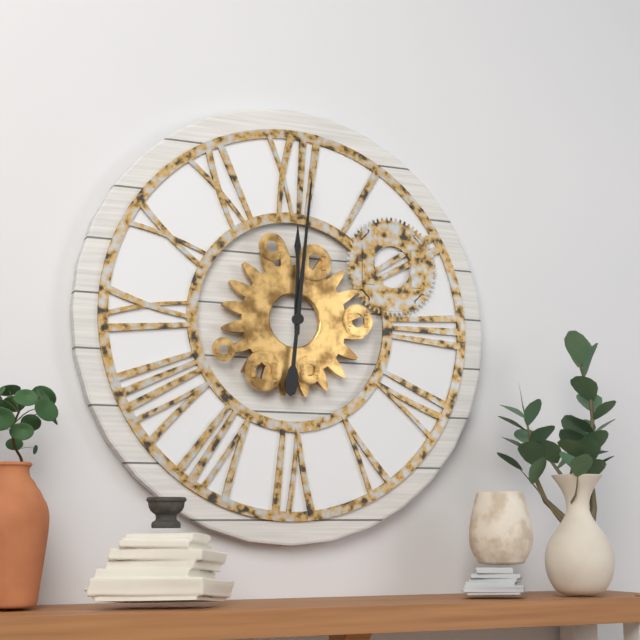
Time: 12h01
